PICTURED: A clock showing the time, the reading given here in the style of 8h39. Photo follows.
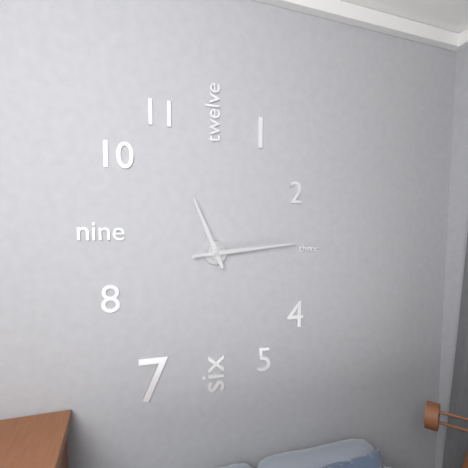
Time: 11h14
